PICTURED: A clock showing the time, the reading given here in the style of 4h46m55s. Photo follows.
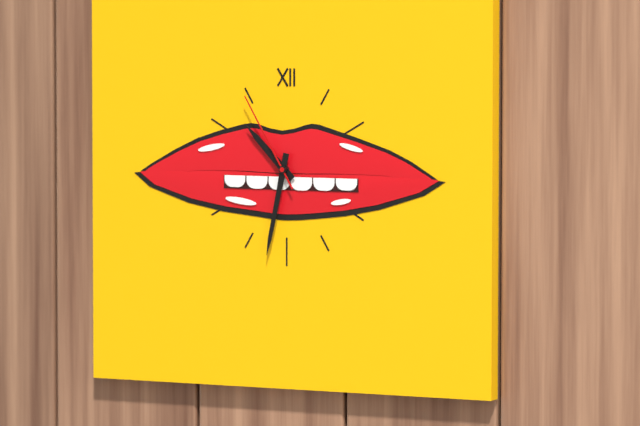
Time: 10h32m55s
